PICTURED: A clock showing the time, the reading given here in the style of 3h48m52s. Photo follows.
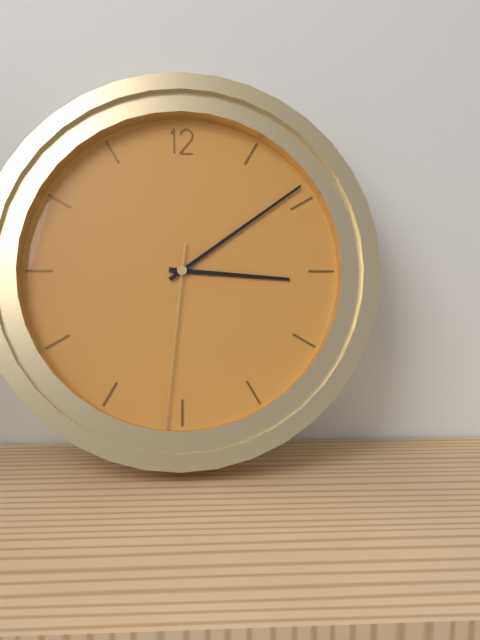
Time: 3h09m31s
